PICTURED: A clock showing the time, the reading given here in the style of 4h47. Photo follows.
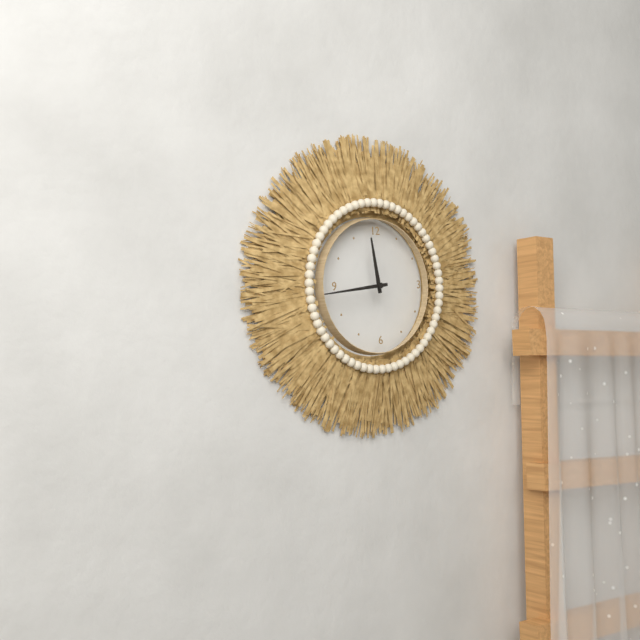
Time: 11h44
